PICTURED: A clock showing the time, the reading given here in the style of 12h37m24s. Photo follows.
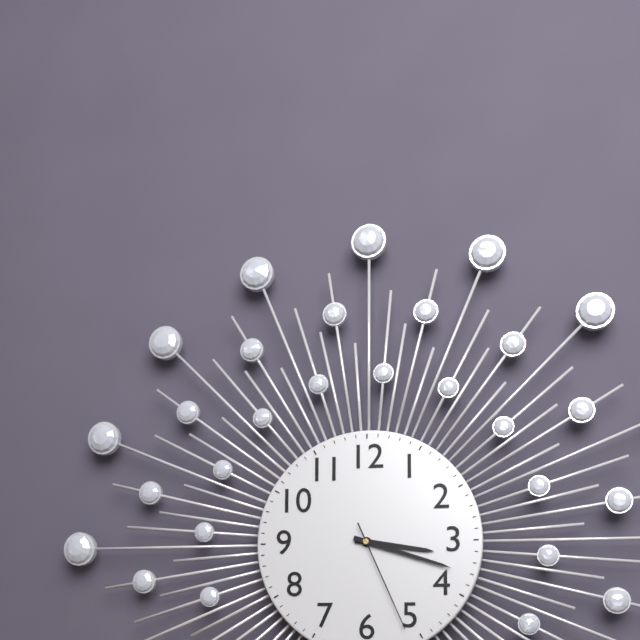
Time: 3h18m26s
